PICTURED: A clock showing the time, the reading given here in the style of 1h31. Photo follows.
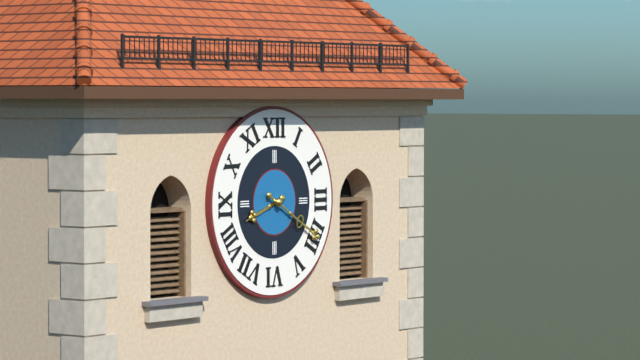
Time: 8h20
